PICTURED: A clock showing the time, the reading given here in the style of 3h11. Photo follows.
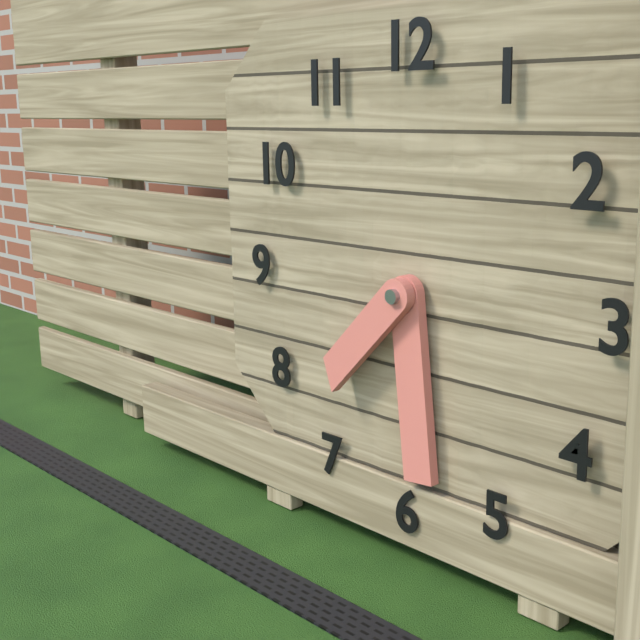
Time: 7h29
